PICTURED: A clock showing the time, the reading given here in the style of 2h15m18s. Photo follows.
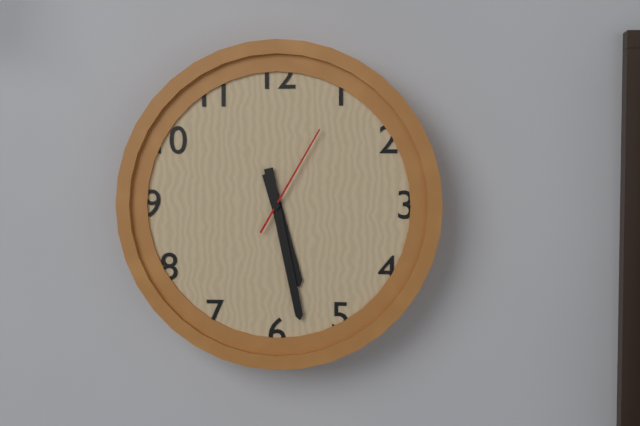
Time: 5h28m05s
